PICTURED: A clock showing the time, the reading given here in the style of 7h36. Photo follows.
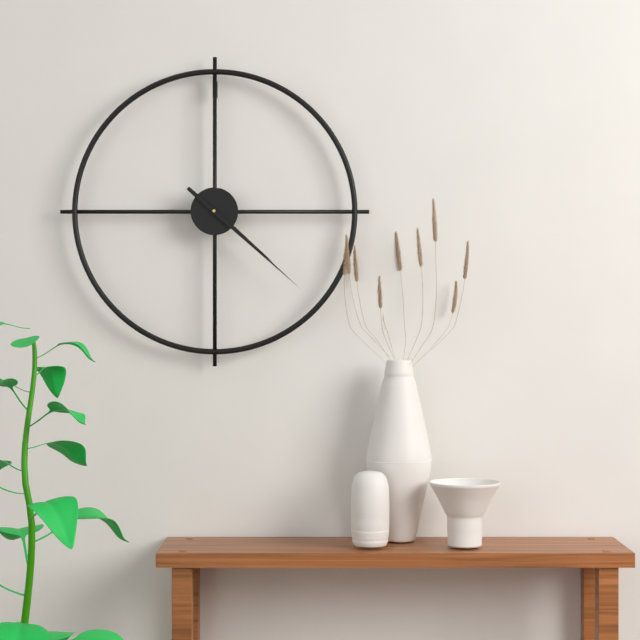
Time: 4h22
